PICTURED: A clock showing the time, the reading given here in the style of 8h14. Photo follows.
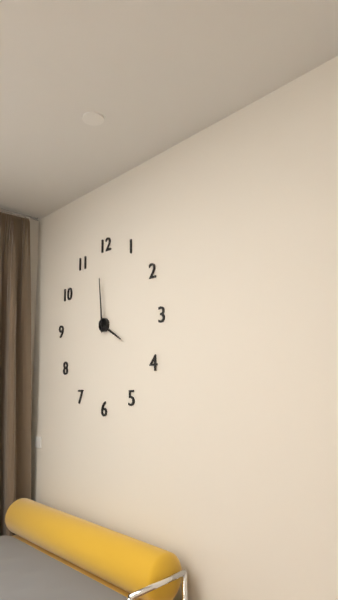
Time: 3h59
